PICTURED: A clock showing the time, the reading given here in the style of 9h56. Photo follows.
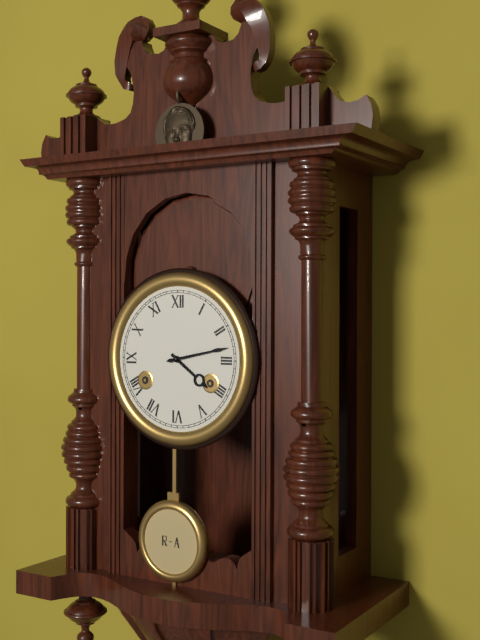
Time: 4h13
